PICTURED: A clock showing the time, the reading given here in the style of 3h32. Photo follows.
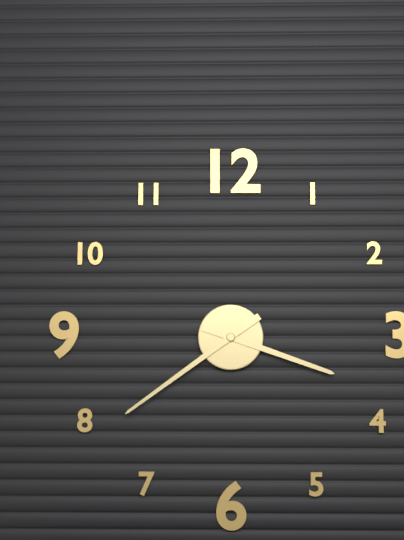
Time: 3h39
